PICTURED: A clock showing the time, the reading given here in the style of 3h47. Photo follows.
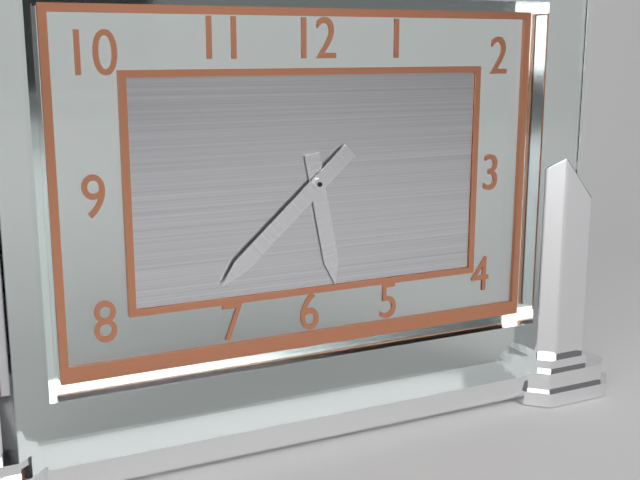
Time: 5h38
